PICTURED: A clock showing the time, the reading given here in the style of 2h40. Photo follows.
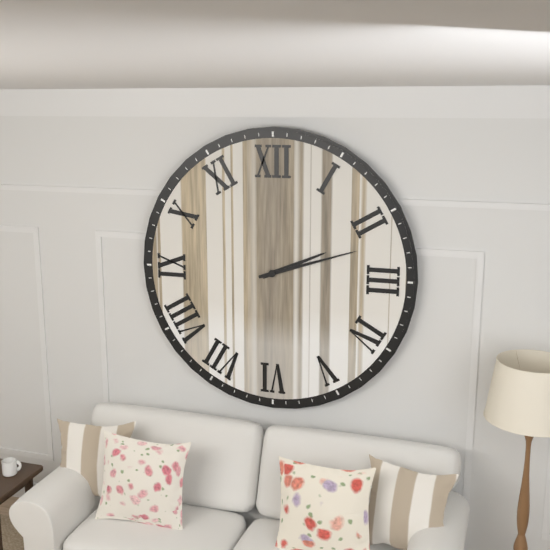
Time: 2h12
